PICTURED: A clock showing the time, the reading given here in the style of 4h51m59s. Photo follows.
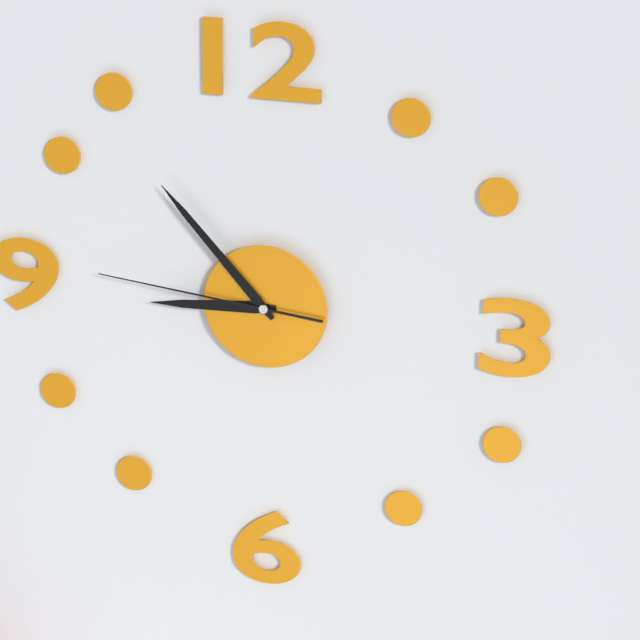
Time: 8h53m46s
